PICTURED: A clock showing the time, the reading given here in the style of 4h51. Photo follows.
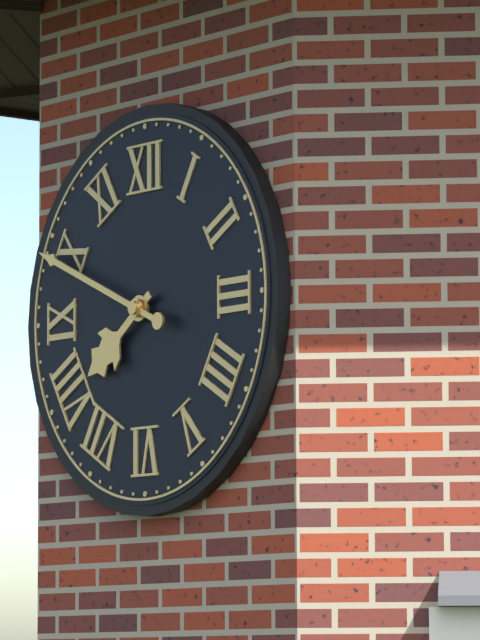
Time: 7h49
